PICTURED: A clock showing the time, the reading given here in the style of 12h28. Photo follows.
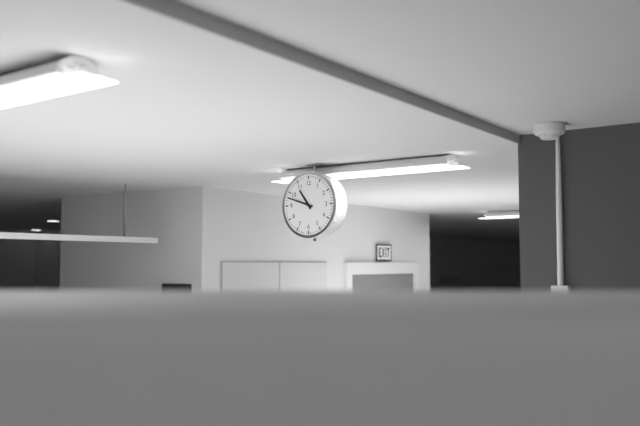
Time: 10h48
